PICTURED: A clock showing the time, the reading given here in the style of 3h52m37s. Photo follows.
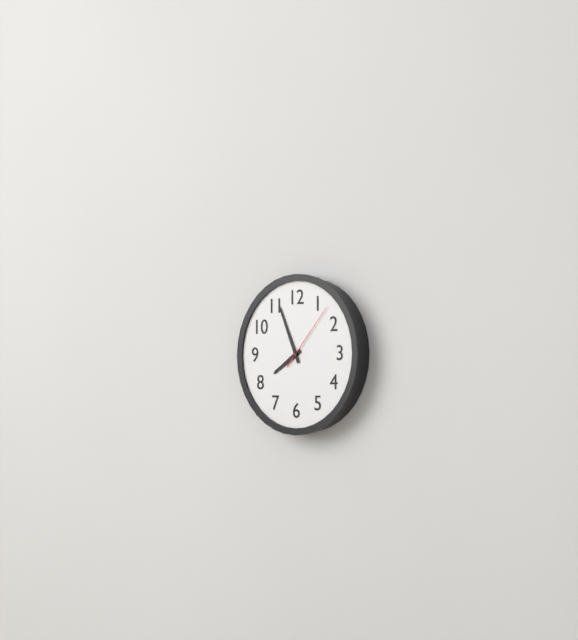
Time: 7h56m07s
